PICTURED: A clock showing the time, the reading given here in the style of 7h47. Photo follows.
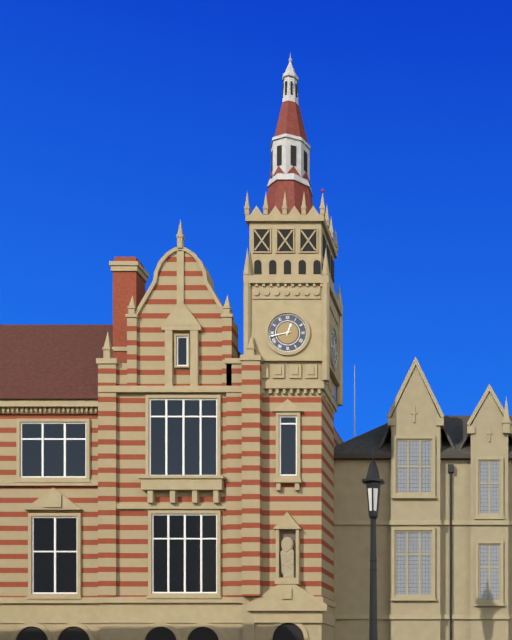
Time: 12h43
